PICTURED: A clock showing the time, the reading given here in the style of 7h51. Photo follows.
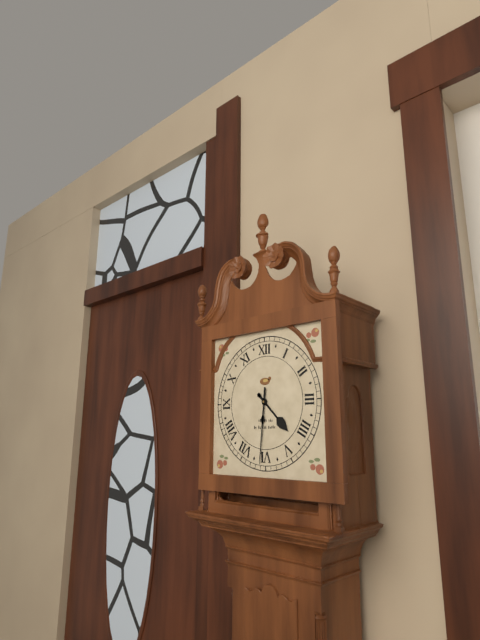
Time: 4h31
